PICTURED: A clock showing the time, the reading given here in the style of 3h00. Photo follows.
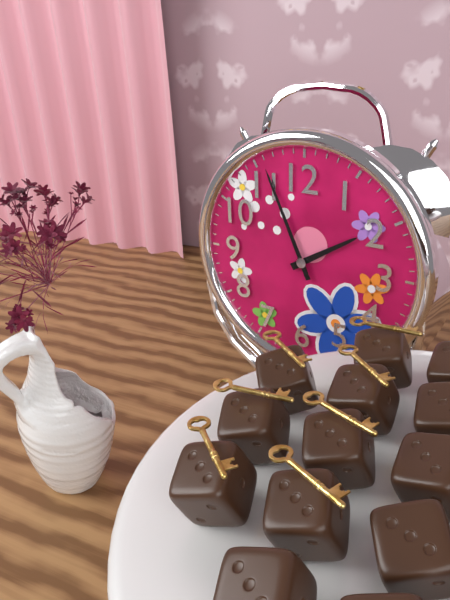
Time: 1h56
